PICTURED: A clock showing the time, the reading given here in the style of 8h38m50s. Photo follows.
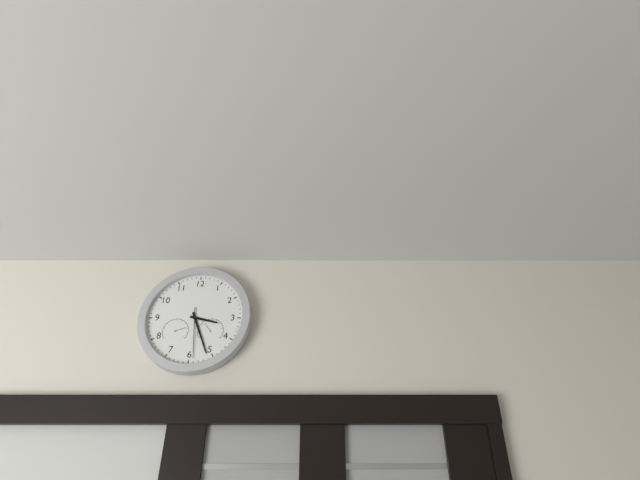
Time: 3h26m29s
